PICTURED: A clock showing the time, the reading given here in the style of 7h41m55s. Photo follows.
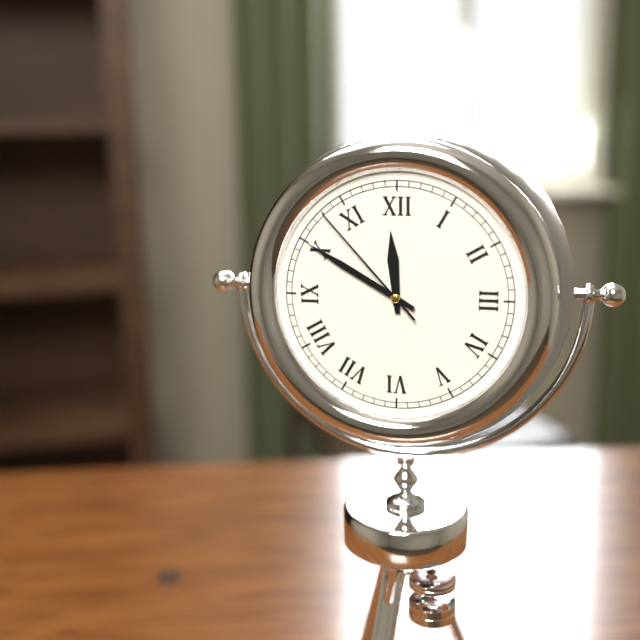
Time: 11h50m53s
